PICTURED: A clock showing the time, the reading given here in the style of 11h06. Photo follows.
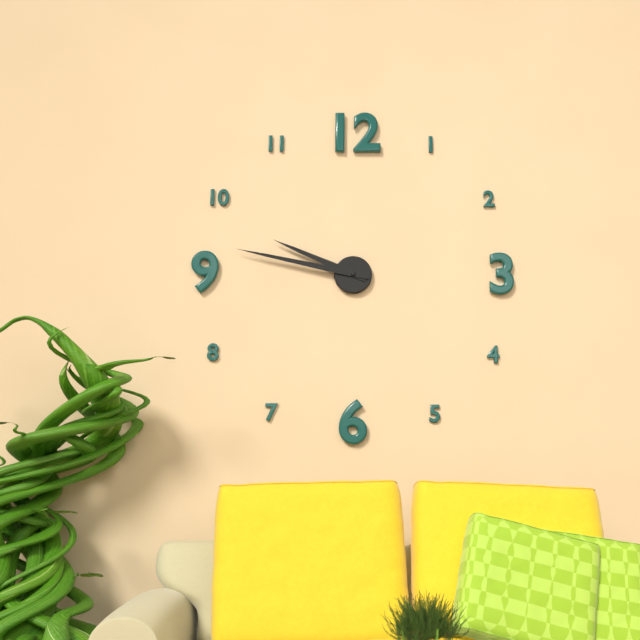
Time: 9h47
